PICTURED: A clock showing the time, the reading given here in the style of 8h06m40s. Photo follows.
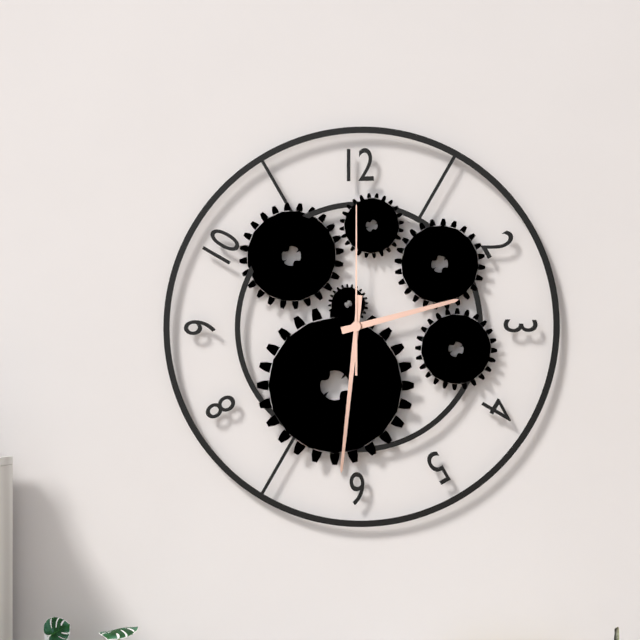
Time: 2h31m00s
